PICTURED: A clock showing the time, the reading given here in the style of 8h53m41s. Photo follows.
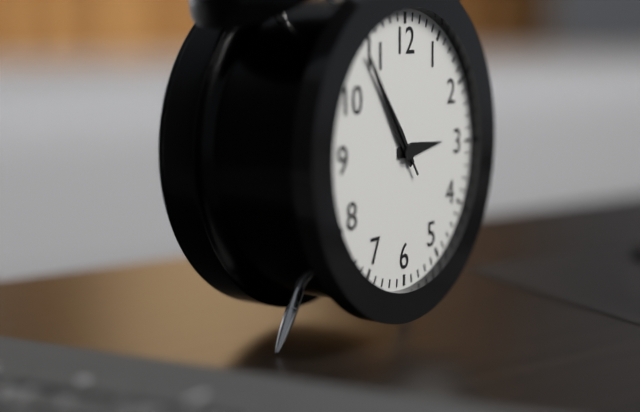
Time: 2h54m54s
